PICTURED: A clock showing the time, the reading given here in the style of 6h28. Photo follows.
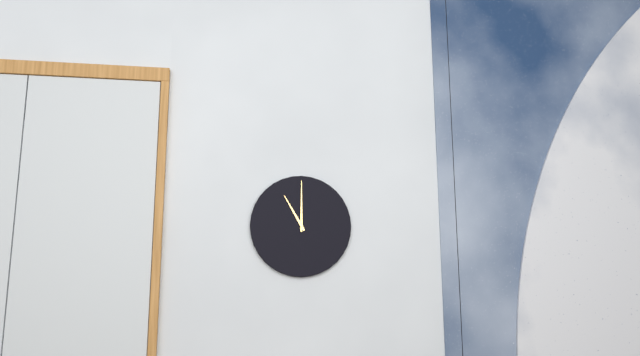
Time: 11h00
